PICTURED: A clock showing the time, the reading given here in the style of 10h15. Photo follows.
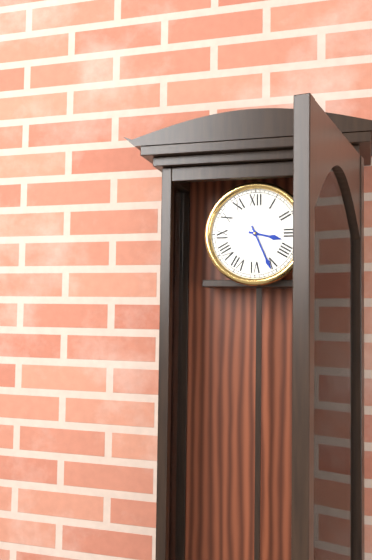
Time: 3h26
